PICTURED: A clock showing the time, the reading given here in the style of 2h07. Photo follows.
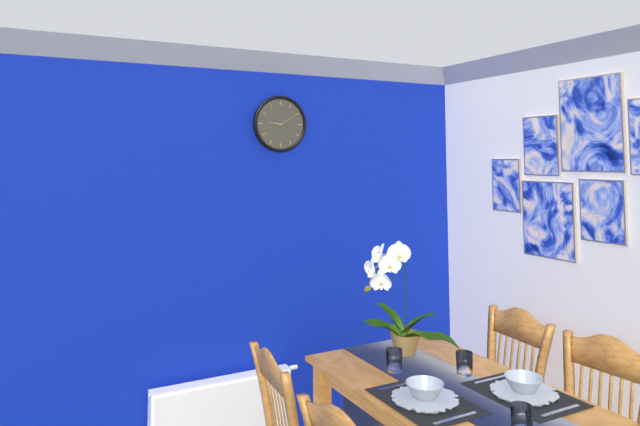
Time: 9h10
